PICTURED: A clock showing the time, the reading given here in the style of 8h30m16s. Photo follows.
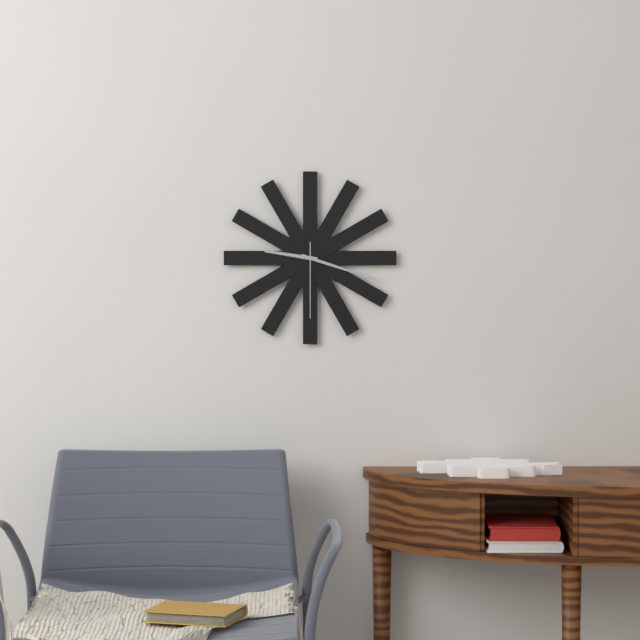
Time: 9h18m30s
